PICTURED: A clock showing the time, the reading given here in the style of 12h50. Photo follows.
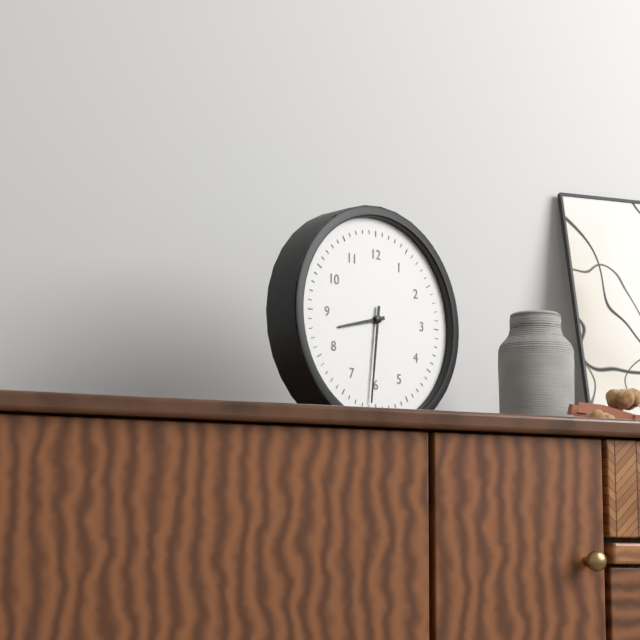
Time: 8h31
